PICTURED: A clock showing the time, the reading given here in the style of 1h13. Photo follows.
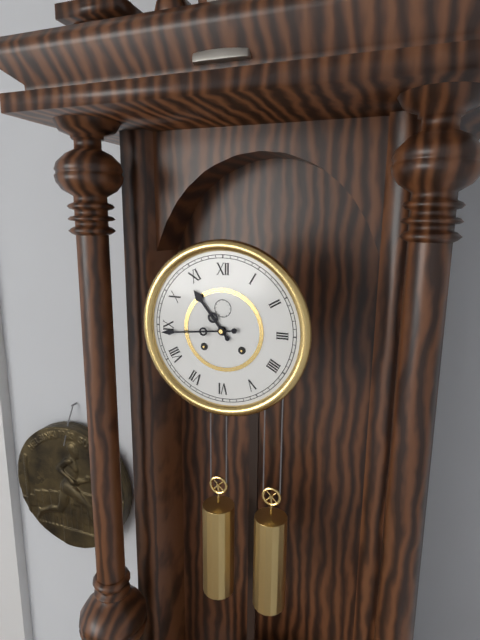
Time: 10h44
